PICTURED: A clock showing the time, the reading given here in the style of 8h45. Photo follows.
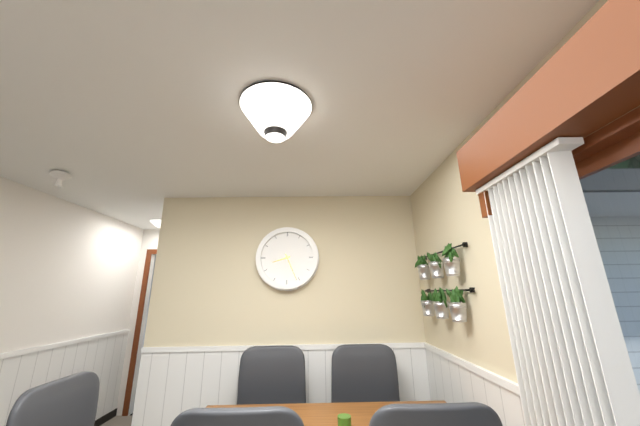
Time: 8h26
